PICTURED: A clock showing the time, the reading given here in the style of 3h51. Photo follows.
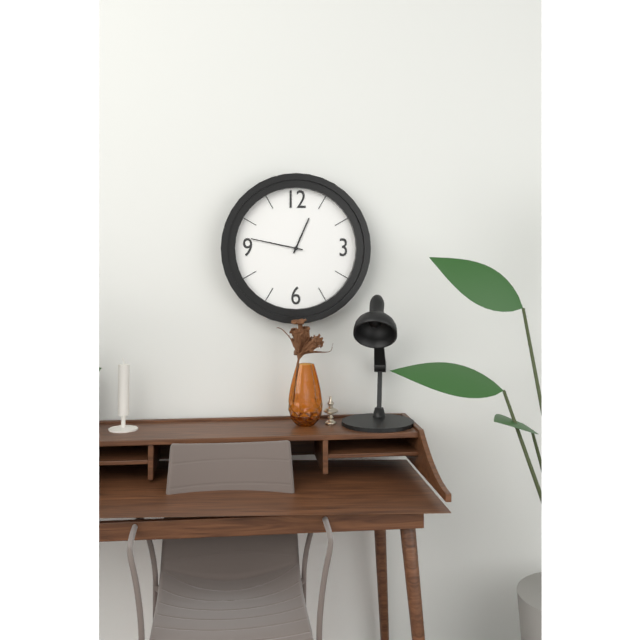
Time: 12h47
